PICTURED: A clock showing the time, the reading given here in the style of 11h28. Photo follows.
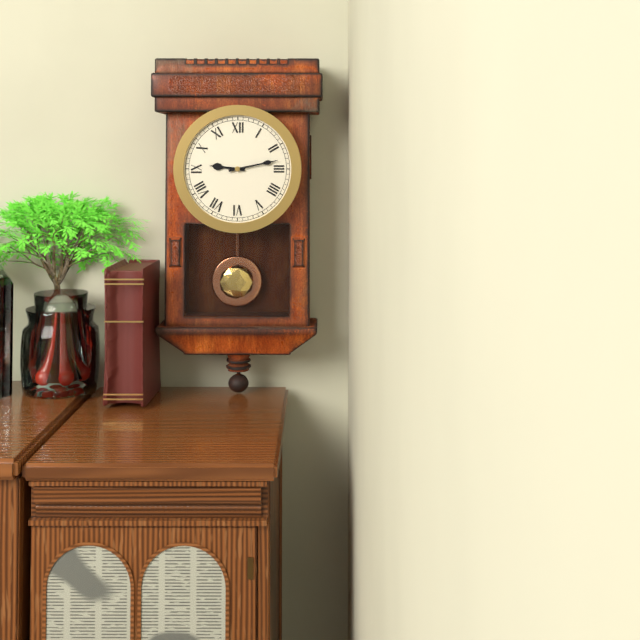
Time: 9h13
